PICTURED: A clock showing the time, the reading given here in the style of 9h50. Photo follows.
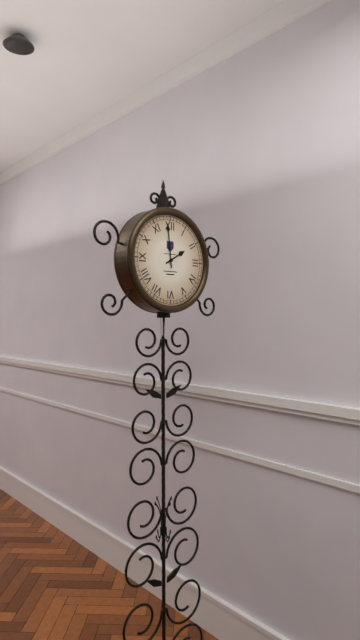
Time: 1h59
